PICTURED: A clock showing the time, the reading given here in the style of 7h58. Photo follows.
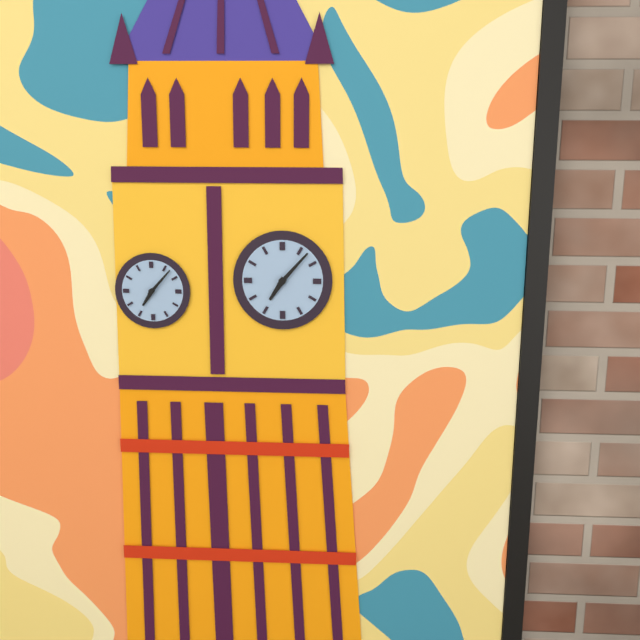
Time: 7h07
